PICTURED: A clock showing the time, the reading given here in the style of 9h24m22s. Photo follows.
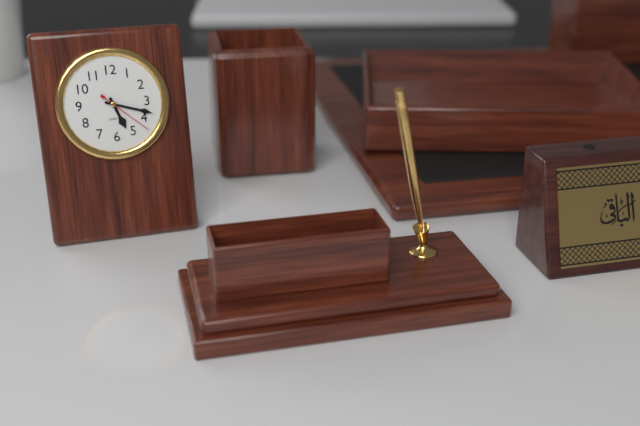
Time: 5h18m22s
